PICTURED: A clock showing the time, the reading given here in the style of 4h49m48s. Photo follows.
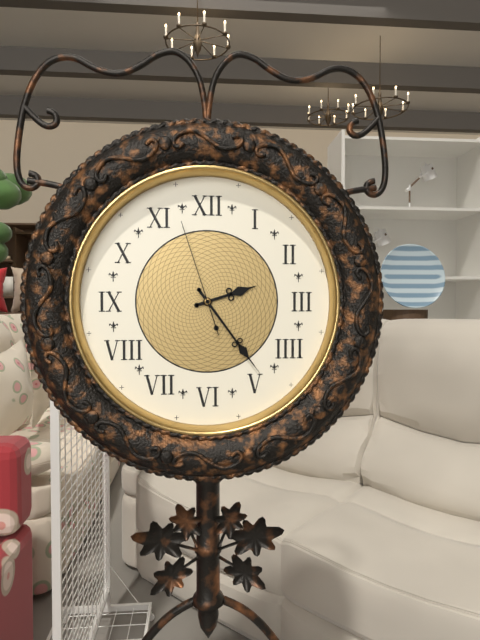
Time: 2h24m57s
